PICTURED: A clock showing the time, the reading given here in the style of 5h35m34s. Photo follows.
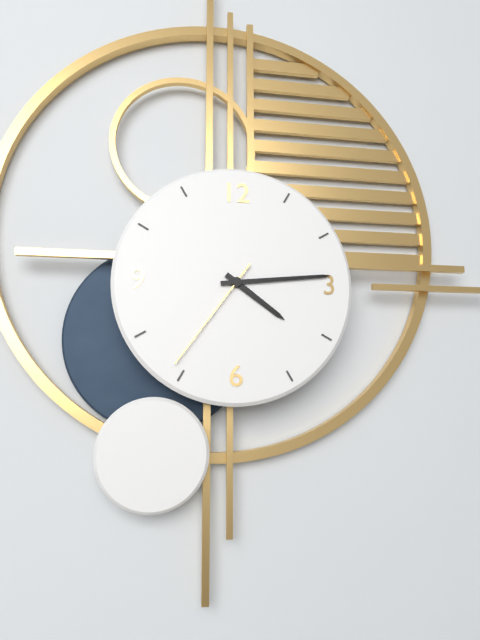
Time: 4h14m36s
